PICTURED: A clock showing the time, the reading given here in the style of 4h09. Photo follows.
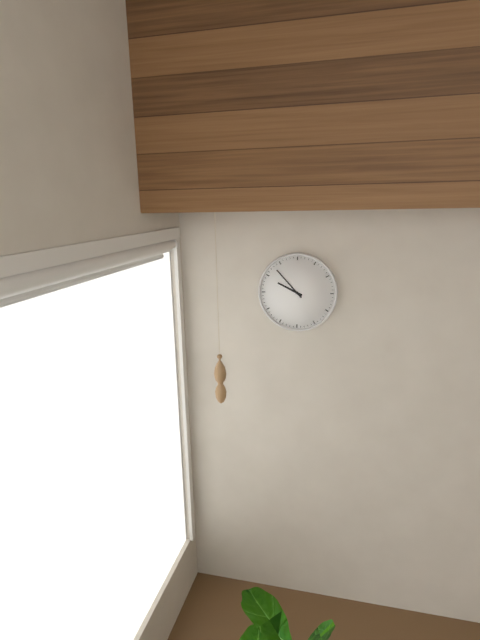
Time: 9h53
